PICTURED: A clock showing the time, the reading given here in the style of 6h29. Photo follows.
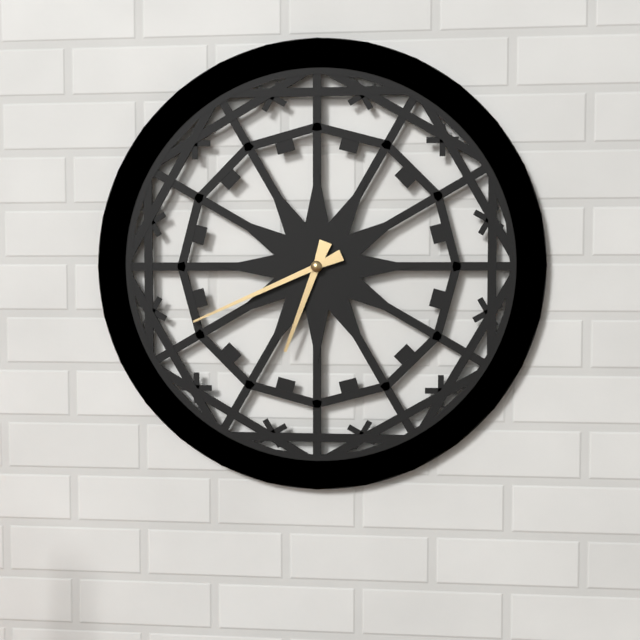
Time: 6h41
